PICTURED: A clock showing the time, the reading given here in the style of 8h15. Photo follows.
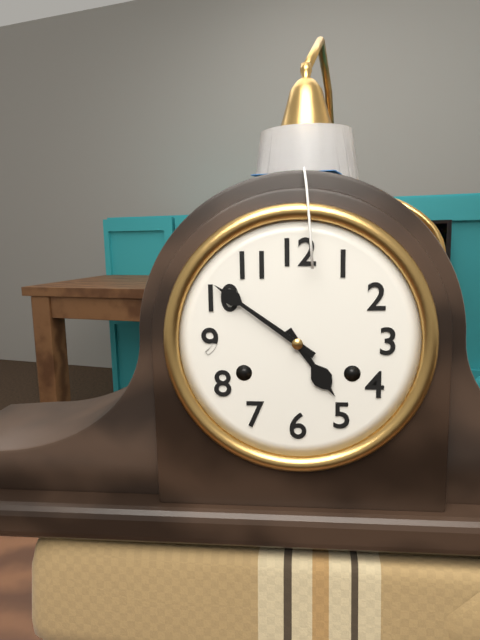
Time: 4h51
